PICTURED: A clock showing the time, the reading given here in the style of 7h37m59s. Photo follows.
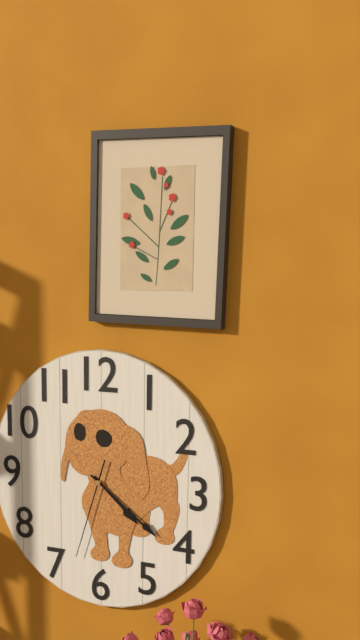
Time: 4h21m33s
